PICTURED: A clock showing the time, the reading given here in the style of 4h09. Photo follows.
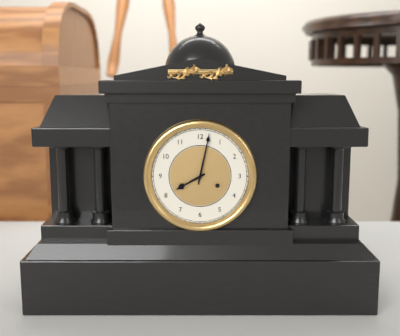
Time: 8h02
